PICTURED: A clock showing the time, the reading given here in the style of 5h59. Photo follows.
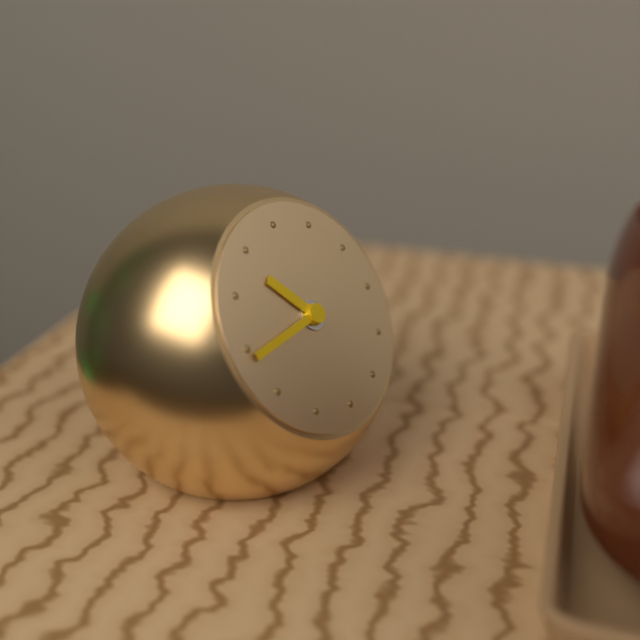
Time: 10h44
